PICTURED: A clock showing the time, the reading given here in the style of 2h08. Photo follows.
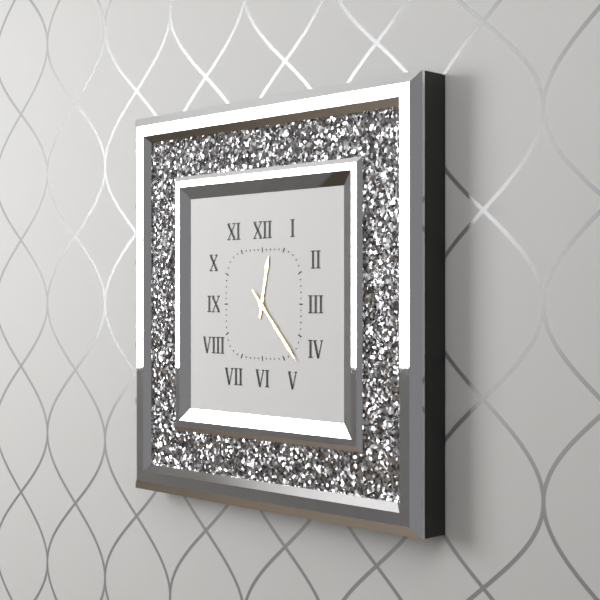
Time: 12h23
